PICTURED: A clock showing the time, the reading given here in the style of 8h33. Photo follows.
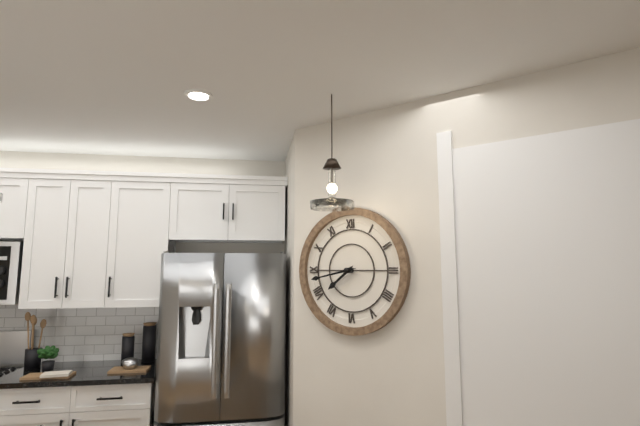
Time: 7h43
